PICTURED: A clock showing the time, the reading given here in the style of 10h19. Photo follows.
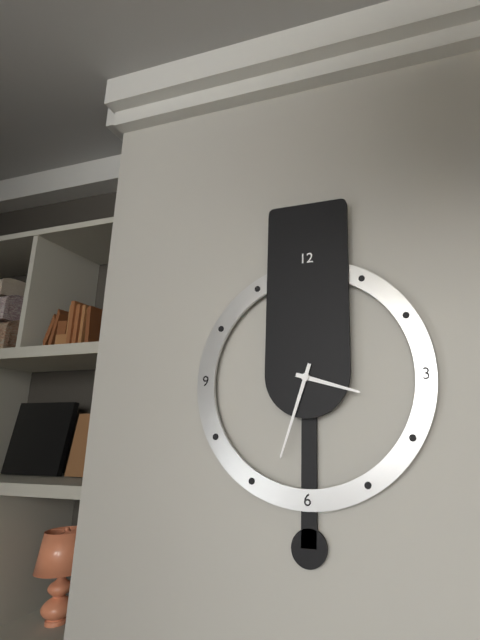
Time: 3h33
